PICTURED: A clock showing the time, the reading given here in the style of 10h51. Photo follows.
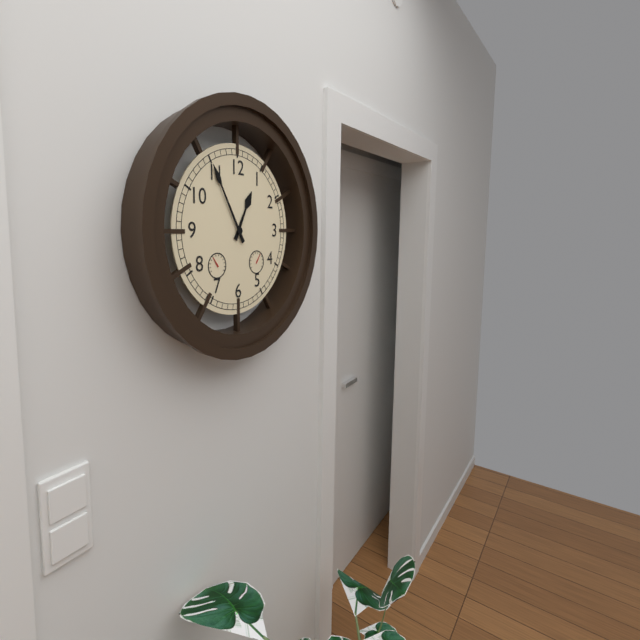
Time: 12h55
